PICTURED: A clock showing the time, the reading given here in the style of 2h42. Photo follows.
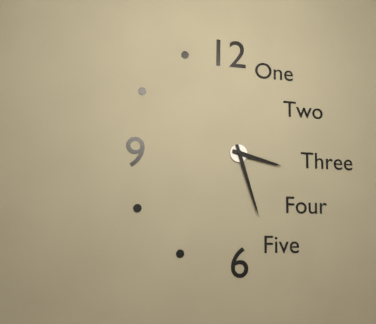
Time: 3h27
